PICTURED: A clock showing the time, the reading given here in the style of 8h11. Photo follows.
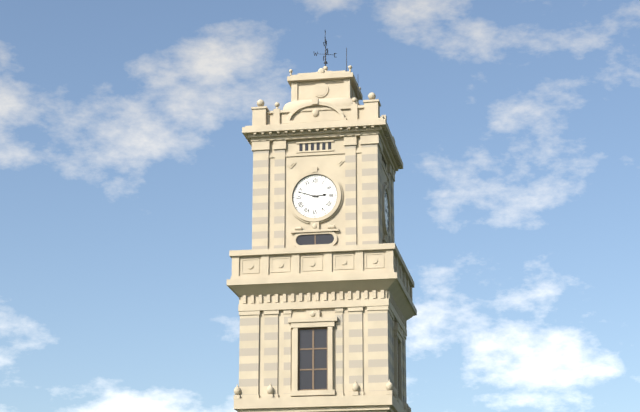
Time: 2h48
